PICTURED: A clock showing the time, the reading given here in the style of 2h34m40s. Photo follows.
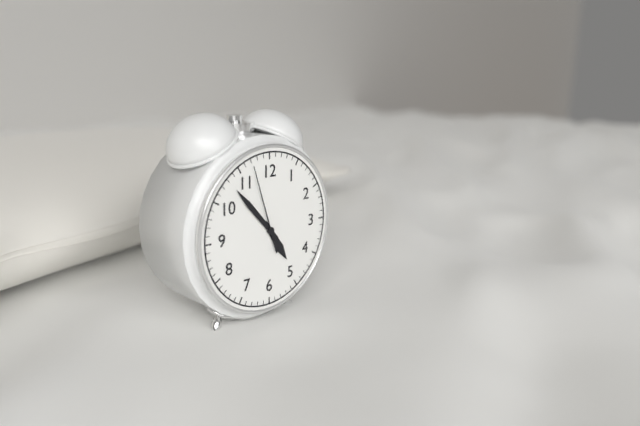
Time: 4h53m57s
